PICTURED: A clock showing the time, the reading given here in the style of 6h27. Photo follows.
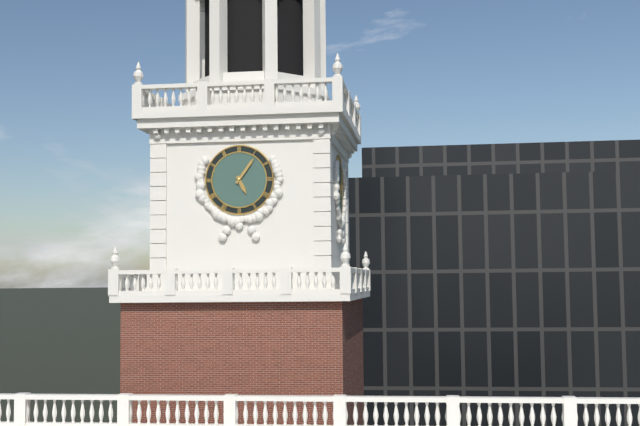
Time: 5h06
